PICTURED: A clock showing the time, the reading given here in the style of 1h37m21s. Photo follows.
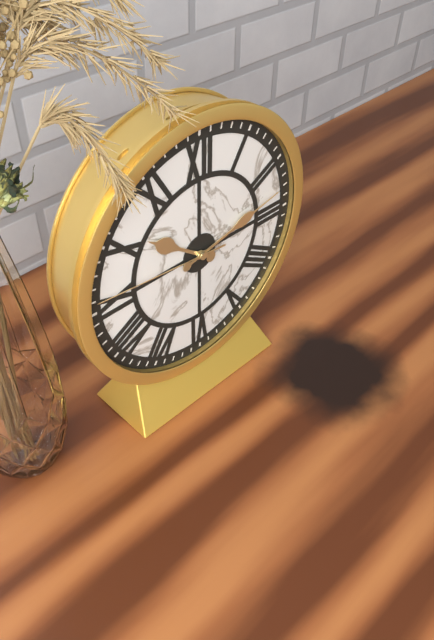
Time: 10h13m46s
